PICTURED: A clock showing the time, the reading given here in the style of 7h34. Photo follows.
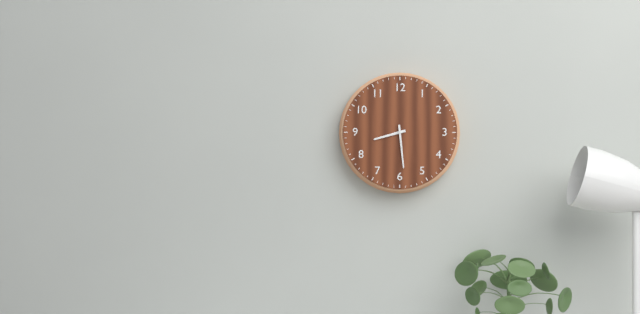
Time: 8h29
